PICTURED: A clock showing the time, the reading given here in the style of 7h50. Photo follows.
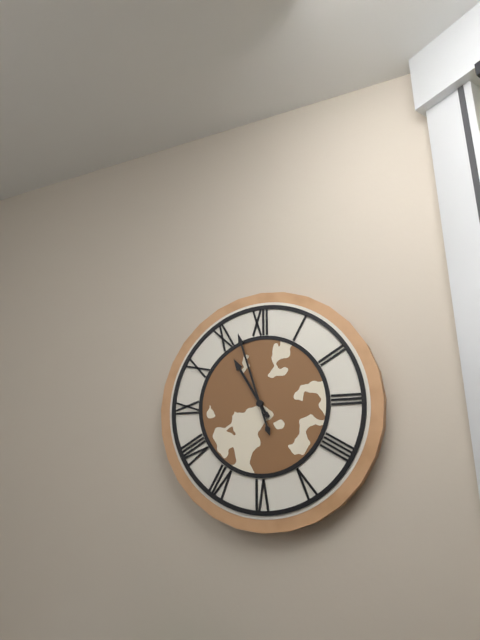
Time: 10h57
